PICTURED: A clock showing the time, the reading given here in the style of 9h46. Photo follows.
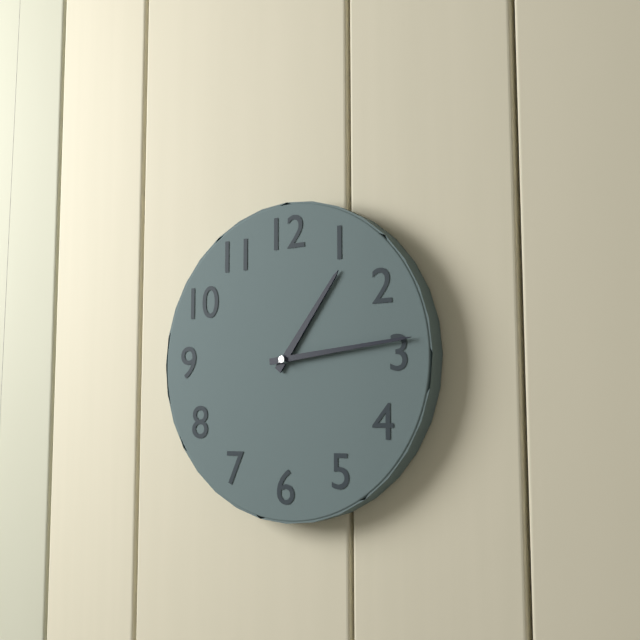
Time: 1h14
